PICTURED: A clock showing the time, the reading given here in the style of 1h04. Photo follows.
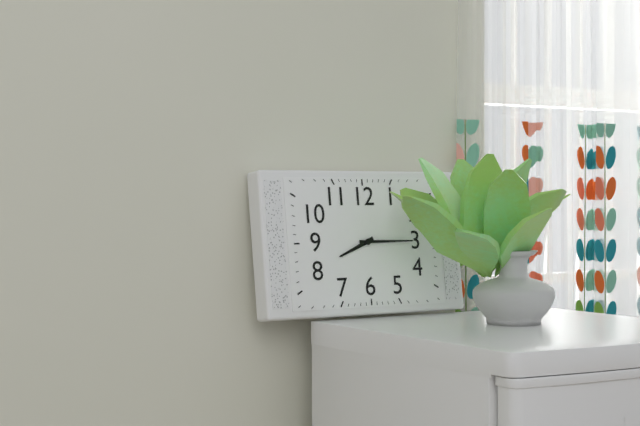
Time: 8h15
